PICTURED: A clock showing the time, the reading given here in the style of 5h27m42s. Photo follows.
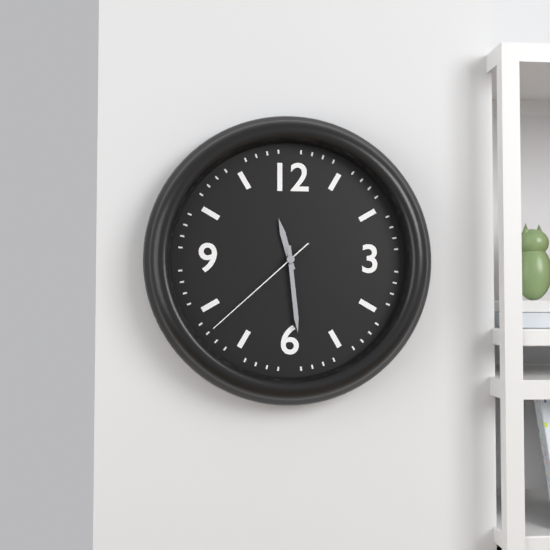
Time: 11h29m38s
